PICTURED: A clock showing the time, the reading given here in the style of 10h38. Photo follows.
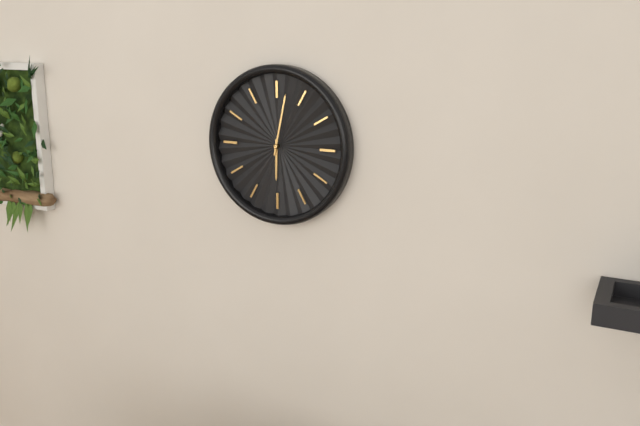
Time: 6h02
